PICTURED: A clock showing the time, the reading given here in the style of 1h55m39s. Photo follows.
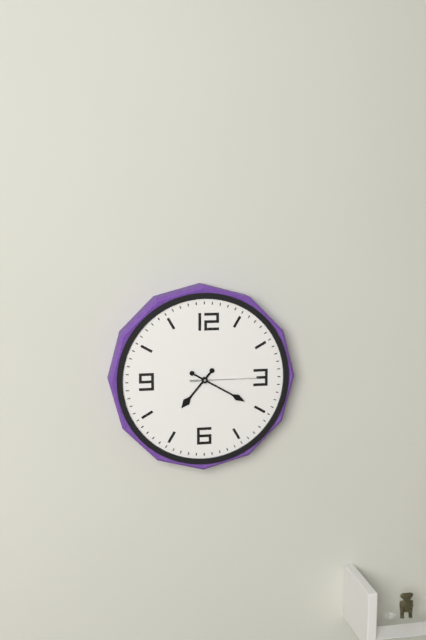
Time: 7h20m15s
